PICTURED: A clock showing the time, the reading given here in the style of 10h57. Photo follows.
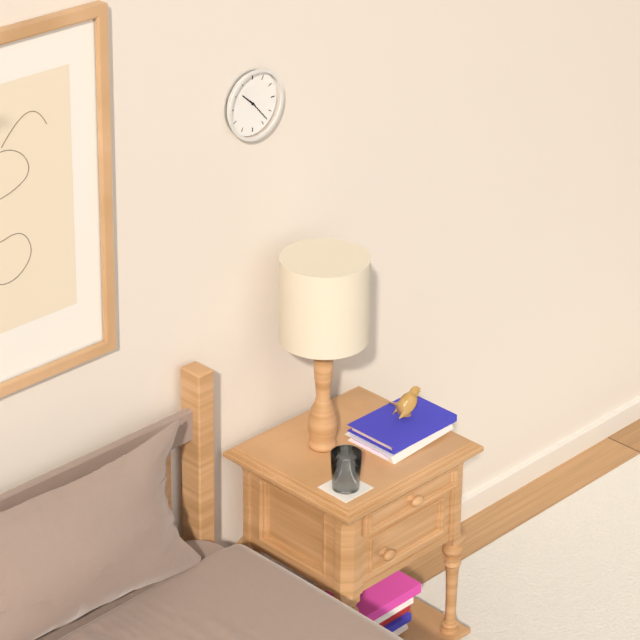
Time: 10h23
